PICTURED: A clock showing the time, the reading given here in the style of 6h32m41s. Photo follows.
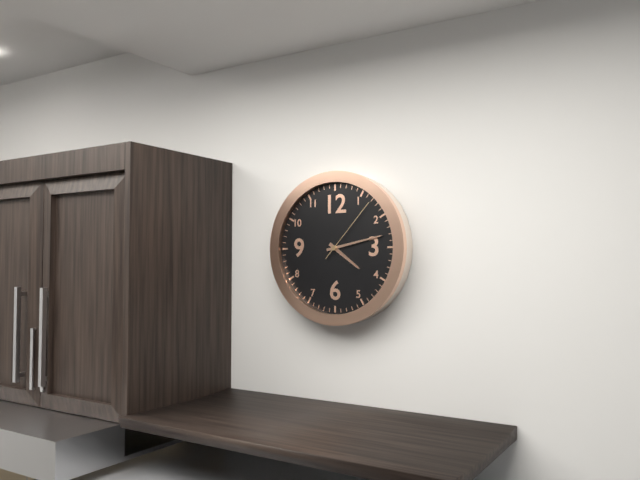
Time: 4h13m07s
